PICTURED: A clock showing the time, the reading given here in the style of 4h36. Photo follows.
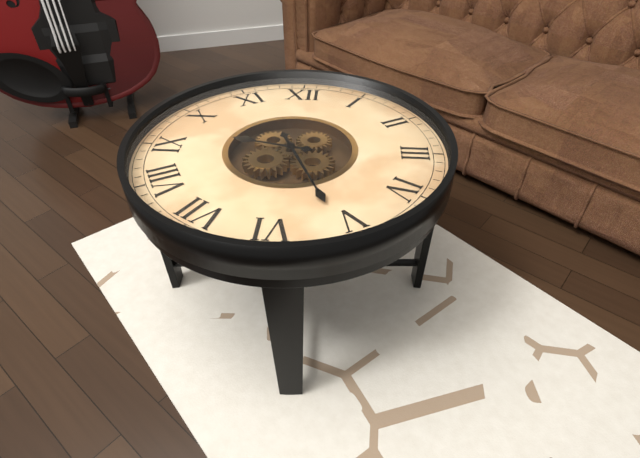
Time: 9h26
